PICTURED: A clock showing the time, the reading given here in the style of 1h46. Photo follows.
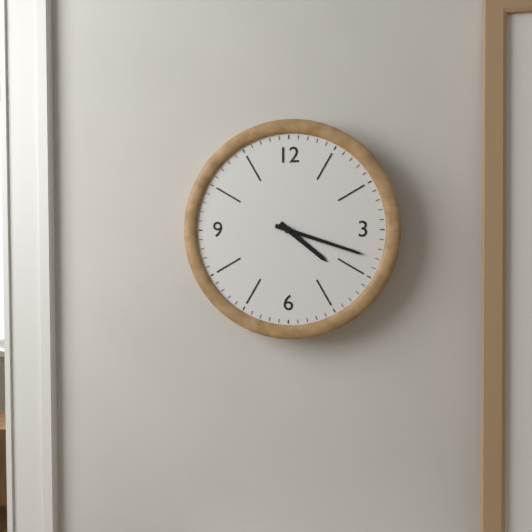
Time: 4h18
